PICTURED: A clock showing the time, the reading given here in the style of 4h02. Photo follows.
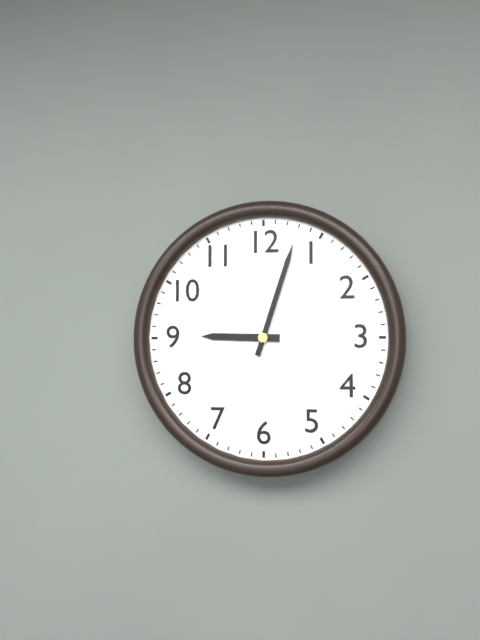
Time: 9h03
